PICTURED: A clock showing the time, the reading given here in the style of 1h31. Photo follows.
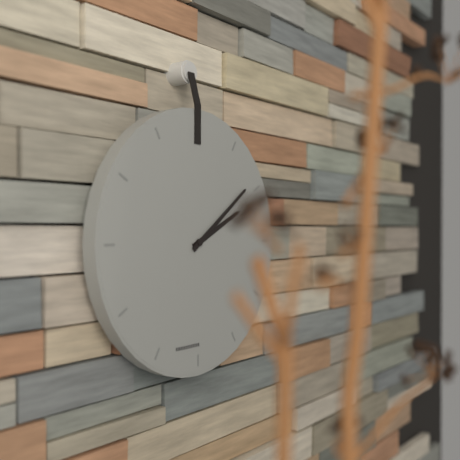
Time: 2h09
